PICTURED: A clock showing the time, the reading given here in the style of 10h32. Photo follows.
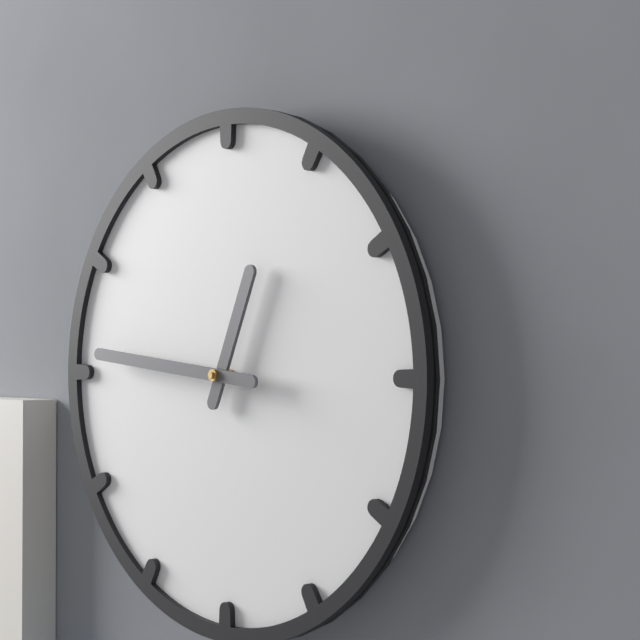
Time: 12h46
